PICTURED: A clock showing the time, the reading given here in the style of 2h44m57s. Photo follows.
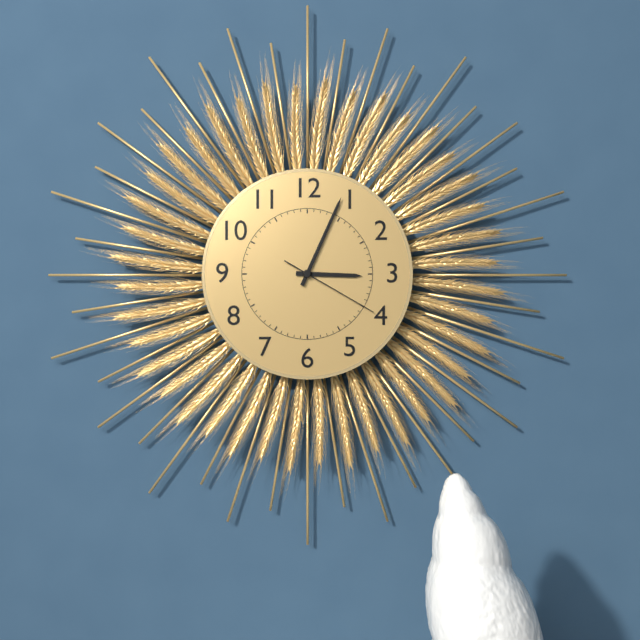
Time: 3h04m20s
